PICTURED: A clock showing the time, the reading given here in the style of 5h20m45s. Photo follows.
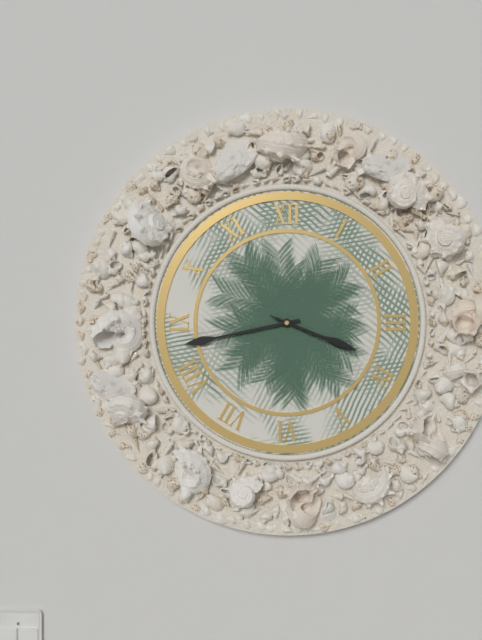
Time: 3h43m19s
